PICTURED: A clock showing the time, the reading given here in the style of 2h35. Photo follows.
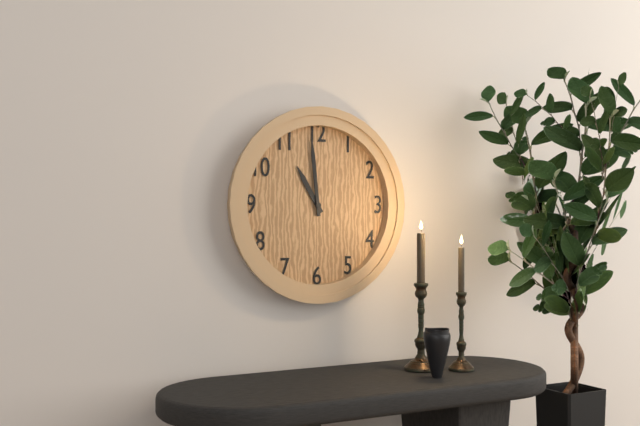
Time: 10h59
